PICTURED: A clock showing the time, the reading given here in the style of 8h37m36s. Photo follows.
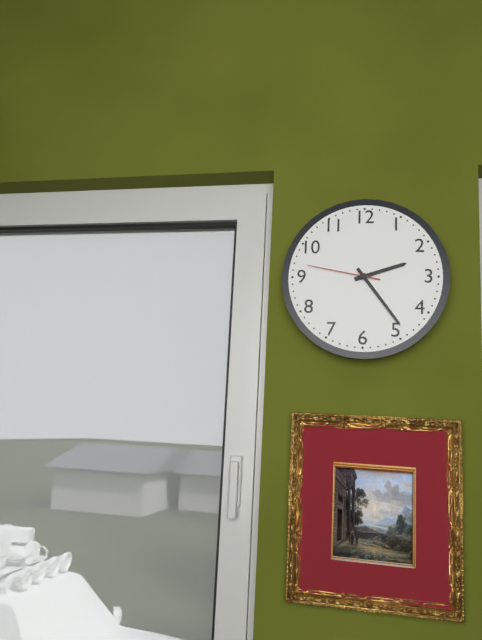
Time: 2h24m47s
